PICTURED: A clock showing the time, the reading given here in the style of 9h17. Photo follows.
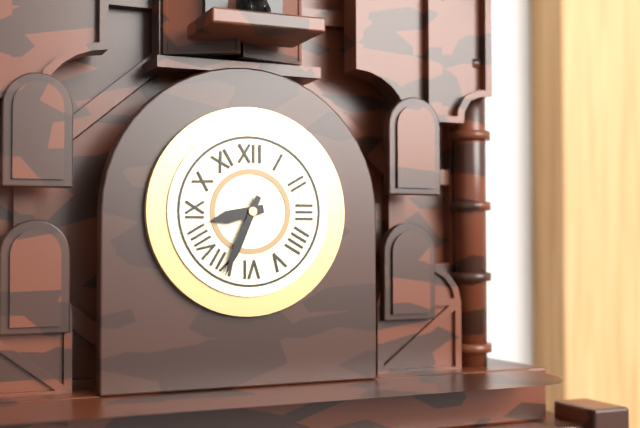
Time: 8h34
